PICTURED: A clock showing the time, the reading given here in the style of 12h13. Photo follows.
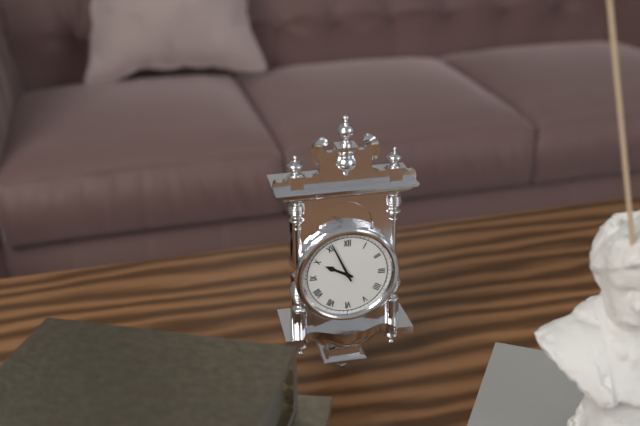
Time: 9h56
